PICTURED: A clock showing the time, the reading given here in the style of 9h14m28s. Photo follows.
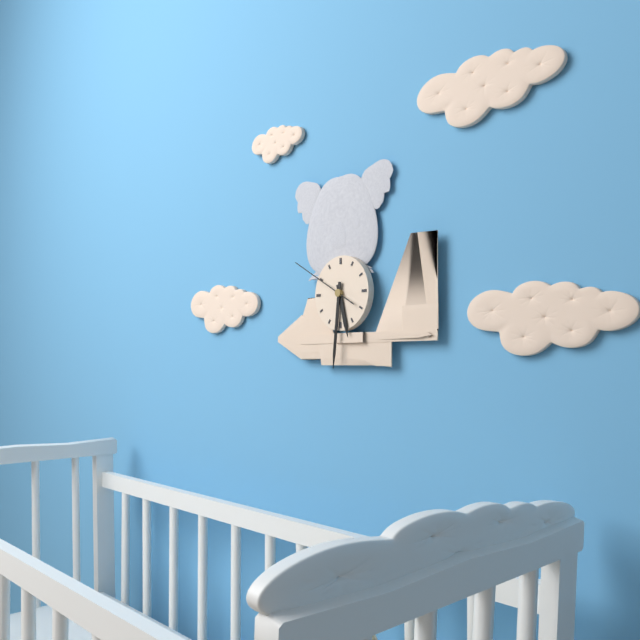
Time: 5h31m50s
